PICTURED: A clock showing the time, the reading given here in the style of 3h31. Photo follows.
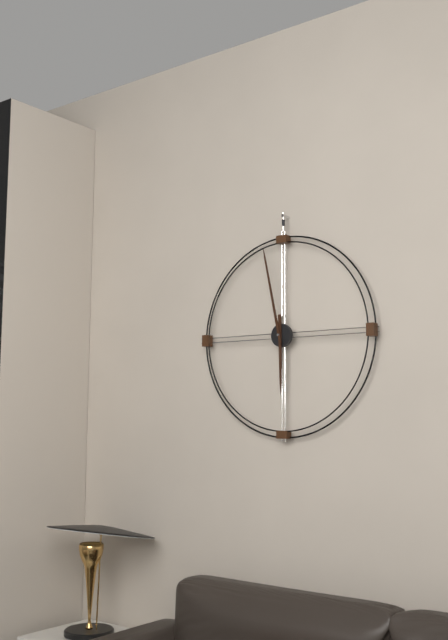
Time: 5h58
